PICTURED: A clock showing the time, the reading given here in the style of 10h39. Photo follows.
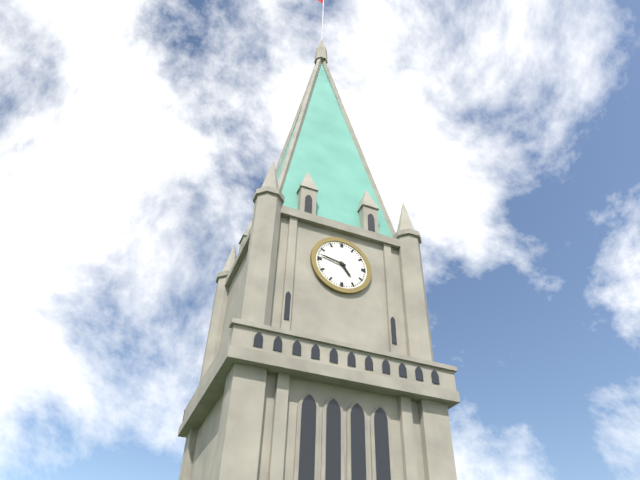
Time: 4h47
